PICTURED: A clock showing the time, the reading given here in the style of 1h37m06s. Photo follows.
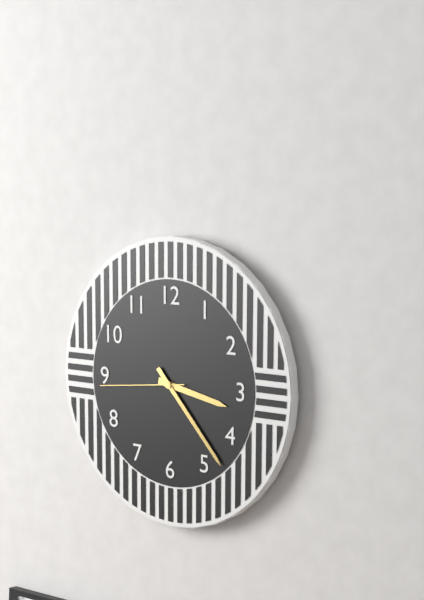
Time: 3h23m44s
